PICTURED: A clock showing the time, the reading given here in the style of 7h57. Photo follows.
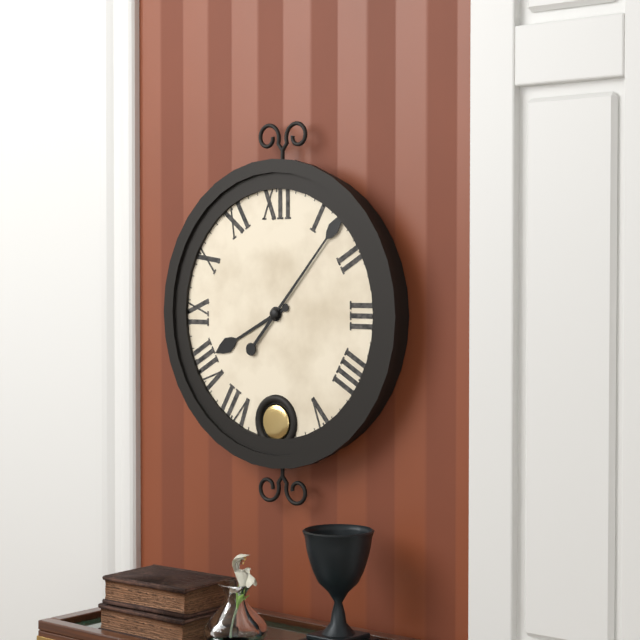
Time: 8h07
